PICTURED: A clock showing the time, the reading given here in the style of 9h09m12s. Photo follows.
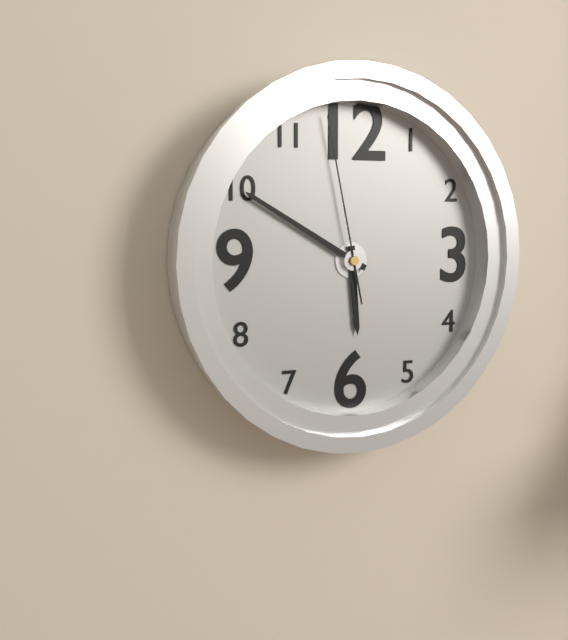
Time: 5h50m58s
